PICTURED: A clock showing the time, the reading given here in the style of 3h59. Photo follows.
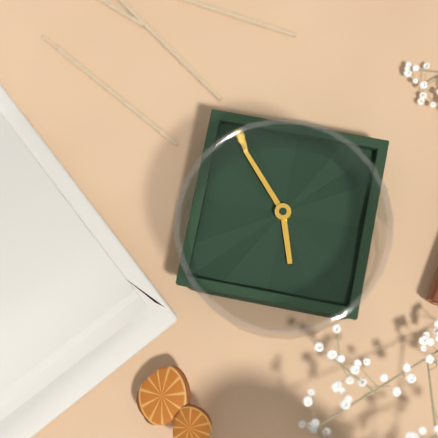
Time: 11h23
